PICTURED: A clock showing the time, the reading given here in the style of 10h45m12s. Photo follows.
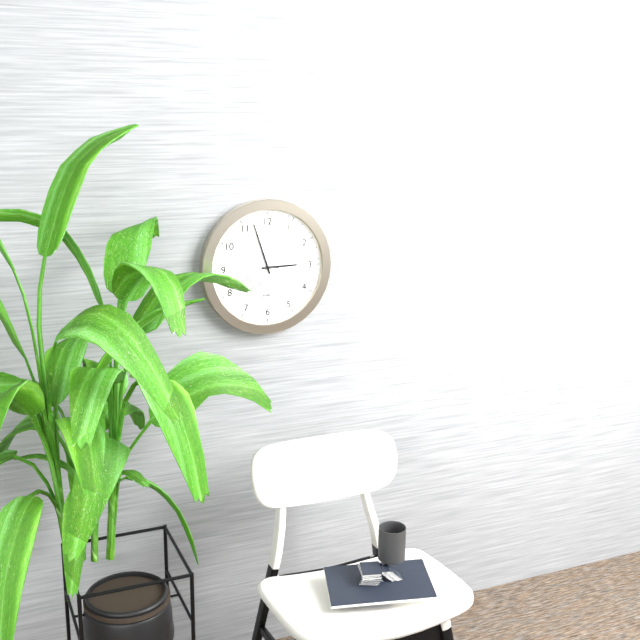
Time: 2h57m16s
